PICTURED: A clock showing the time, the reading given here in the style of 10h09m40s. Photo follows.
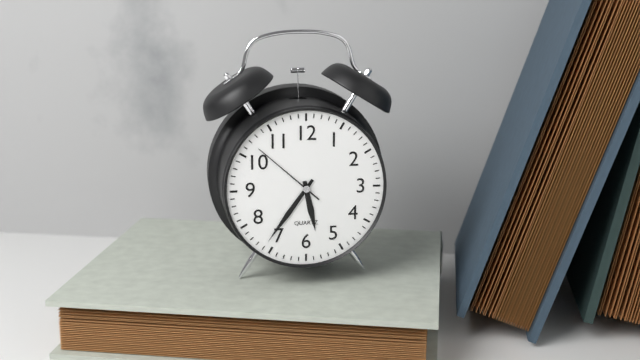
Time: 5h36m52s
